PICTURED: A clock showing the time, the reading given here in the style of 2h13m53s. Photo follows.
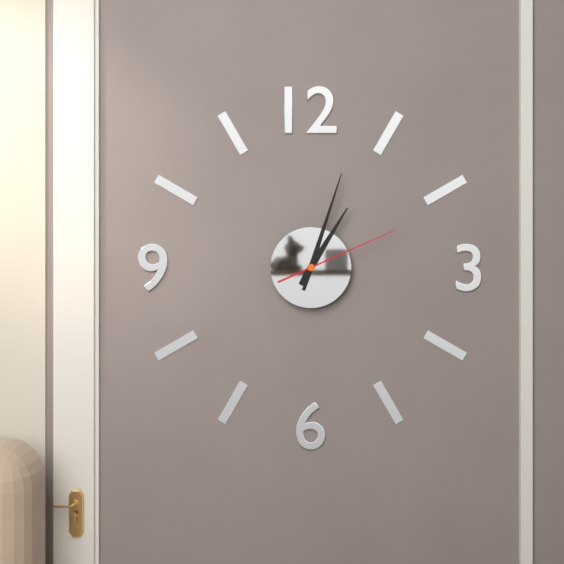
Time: 1h03m11s
